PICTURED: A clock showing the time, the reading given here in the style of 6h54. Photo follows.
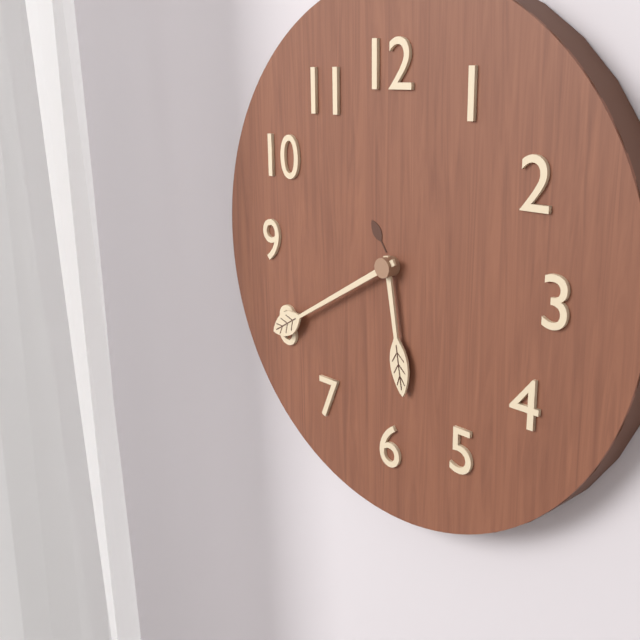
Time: 5h40
